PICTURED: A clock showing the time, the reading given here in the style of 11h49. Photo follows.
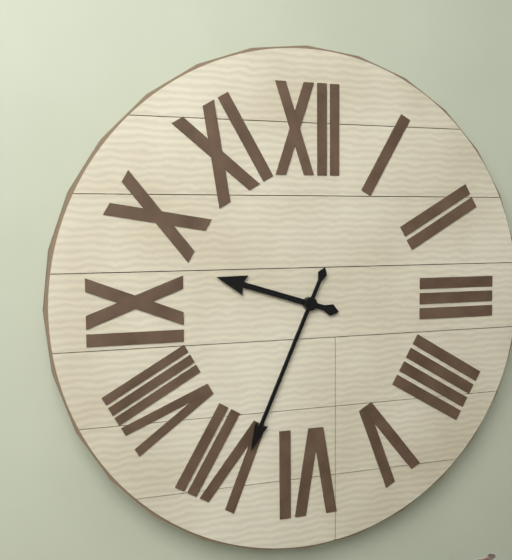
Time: 9h34
